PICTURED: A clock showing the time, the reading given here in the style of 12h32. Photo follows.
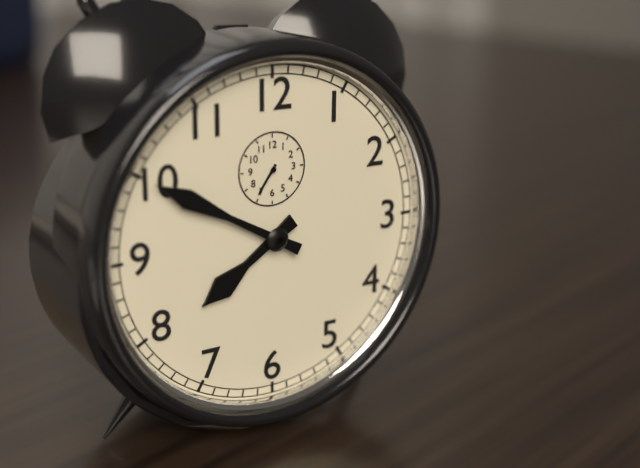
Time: 7h50
